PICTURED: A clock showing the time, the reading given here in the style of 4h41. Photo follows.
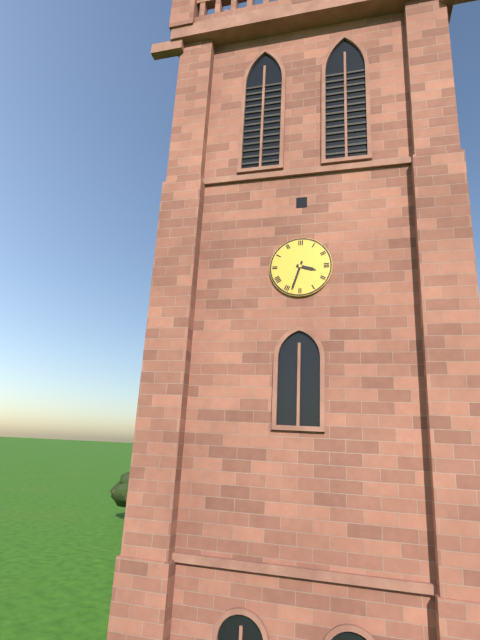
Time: 3h33
